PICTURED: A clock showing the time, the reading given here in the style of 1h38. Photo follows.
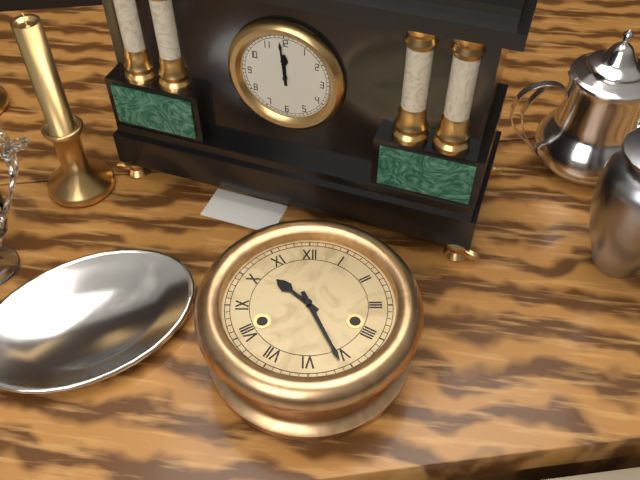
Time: 10h26
